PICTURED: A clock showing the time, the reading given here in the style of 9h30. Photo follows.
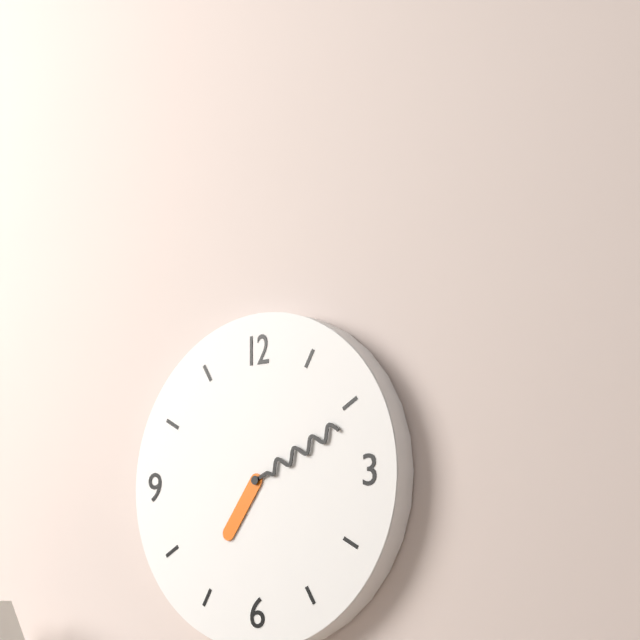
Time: 7h11
